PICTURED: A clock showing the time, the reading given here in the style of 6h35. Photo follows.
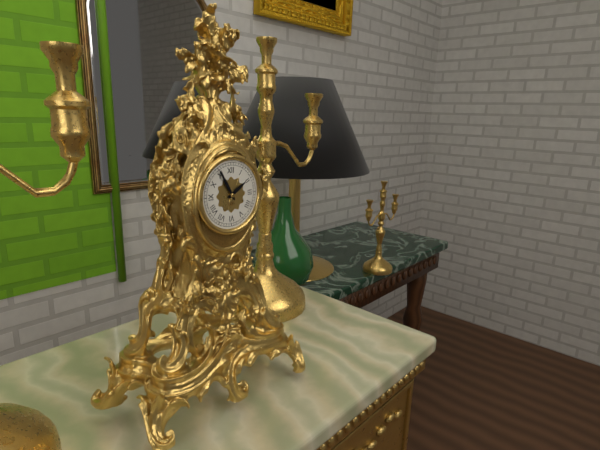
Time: 1h55
